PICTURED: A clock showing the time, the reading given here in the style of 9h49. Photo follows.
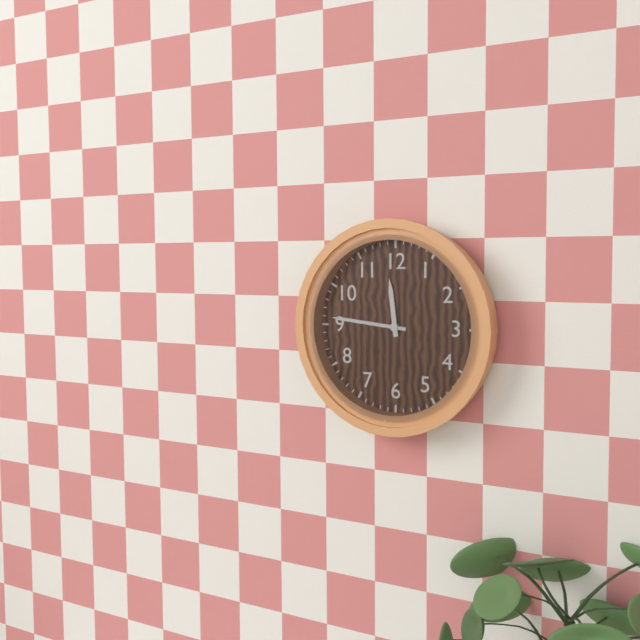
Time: 11h46
